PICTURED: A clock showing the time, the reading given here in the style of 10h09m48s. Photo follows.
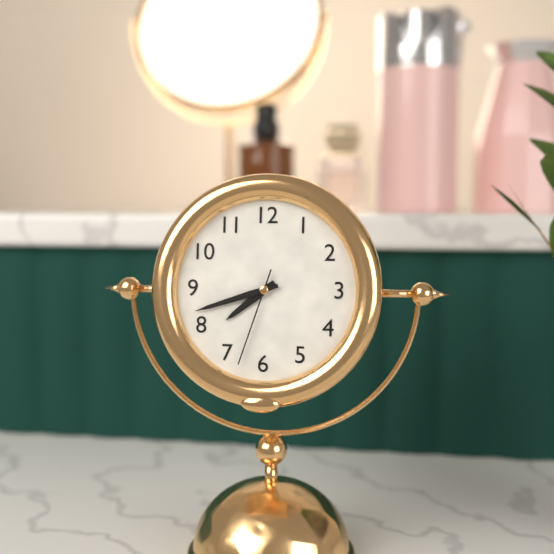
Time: 7h42m33s
